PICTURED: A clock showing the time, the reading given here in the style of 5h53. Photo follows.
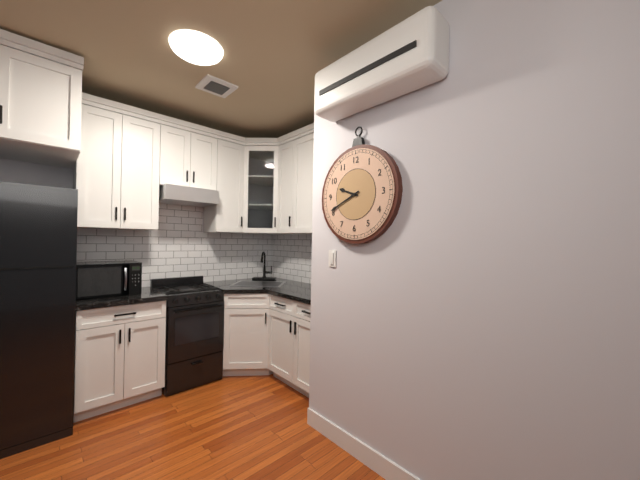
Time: 9h41
